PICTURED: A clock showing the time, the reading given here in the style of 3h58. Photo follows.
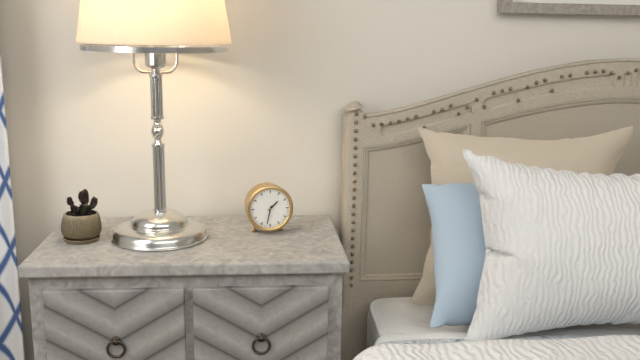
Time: 1h32
